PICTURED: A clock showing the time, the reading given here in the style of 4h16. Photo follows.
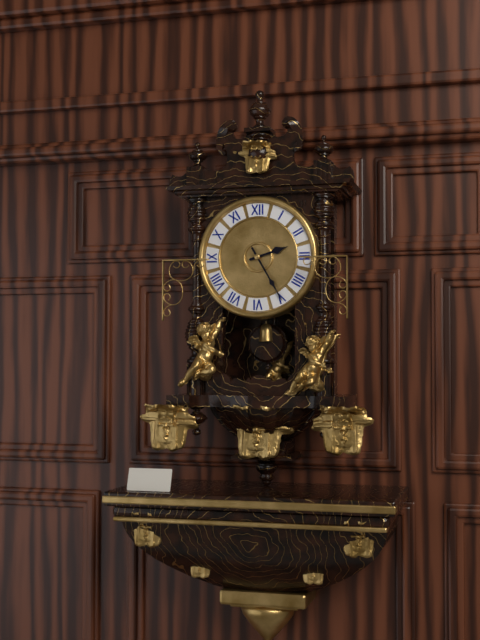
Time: 2h25
